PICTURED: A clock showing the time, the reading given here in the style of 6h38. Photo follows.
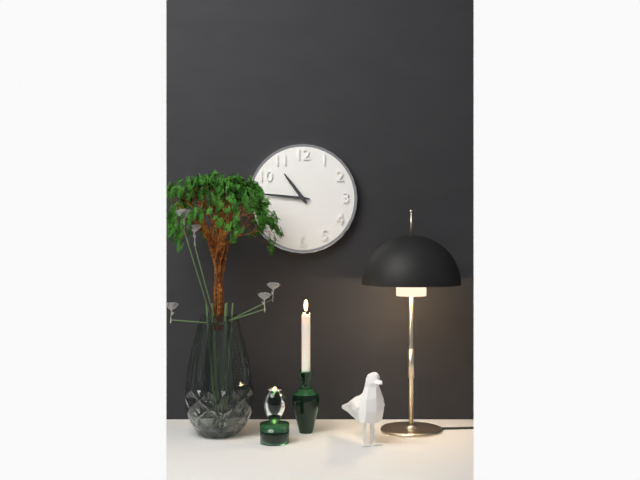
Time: 10h46
